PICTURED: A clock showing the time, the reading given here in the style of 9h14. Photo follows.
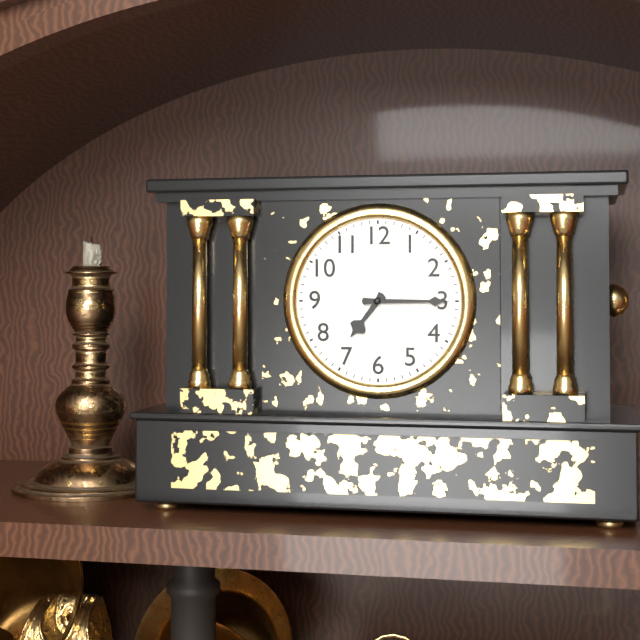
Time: 7h15
